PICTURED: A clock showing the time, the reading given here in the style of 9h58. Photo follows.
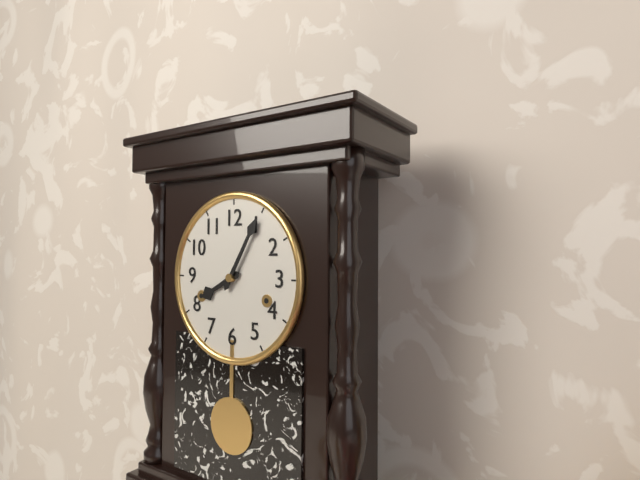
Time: 8h05
